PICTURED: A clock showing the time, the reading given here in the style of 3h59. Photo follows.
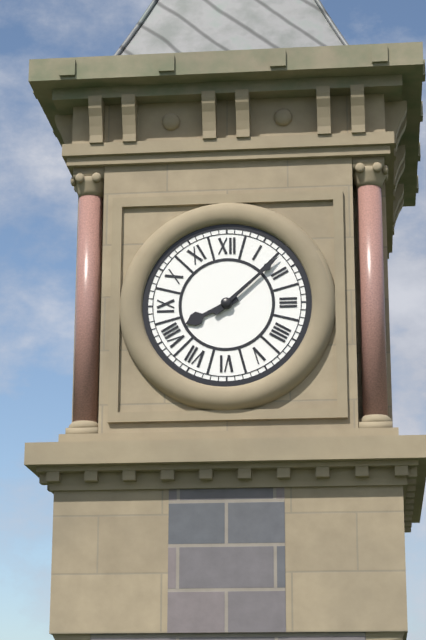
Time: 8h08
